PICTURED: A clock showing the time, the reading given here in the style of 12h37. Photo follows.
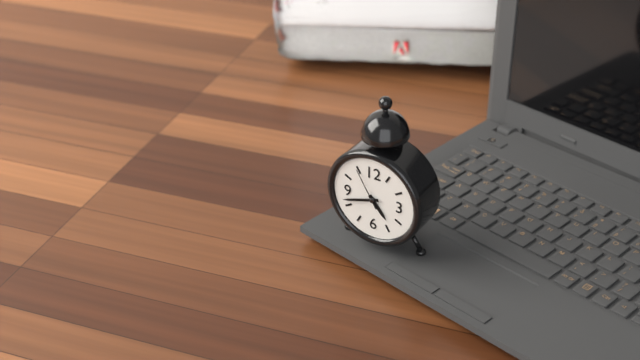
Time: 4h42
